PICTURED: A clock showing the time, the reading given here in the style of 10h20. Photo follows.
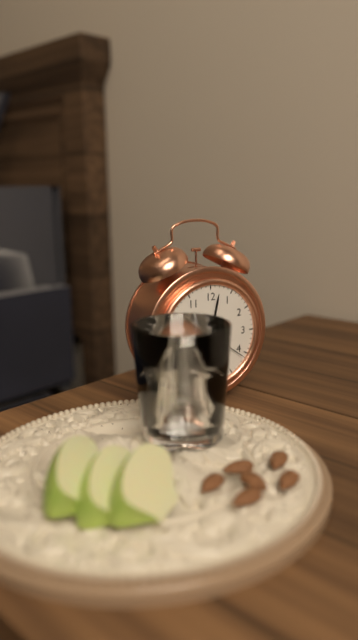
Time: 8h02
